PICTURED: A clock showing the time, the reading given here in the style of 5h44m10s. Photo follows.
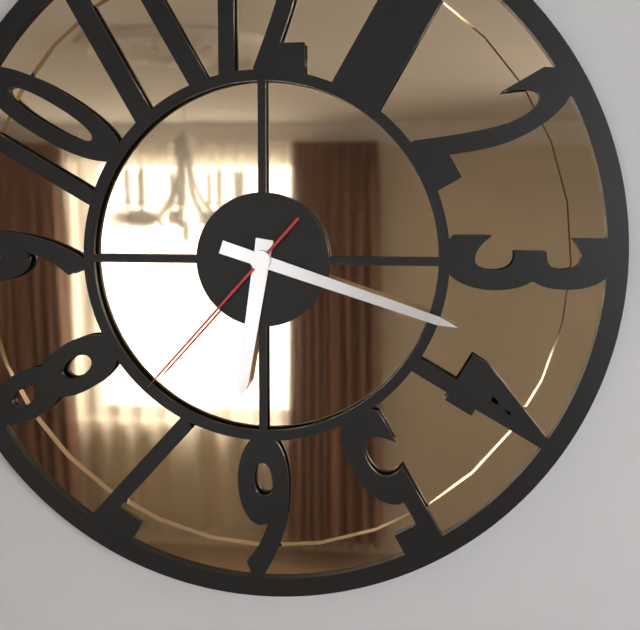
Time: 6h18m37s
